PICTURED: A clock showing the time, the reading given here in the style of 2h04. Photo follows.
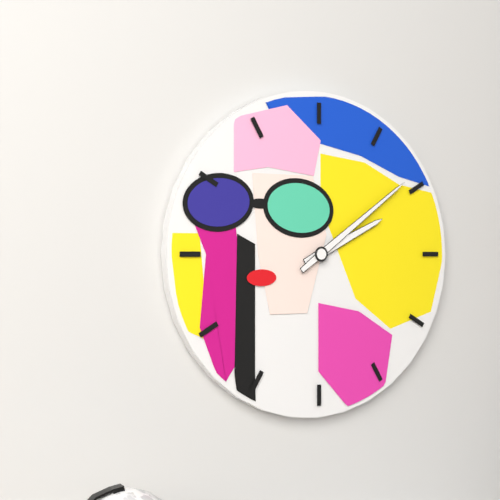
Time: 2h09
